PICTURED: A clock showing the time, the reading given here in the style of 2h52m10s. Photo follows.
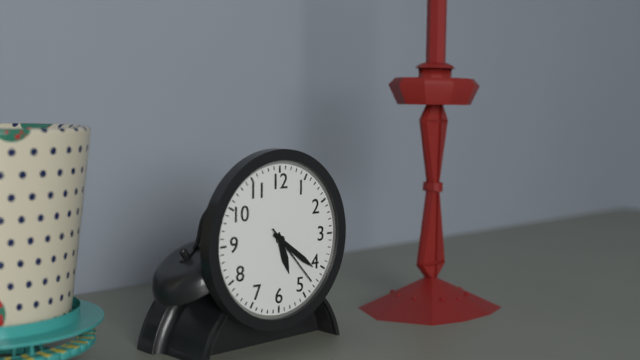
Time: 5h21m23s
